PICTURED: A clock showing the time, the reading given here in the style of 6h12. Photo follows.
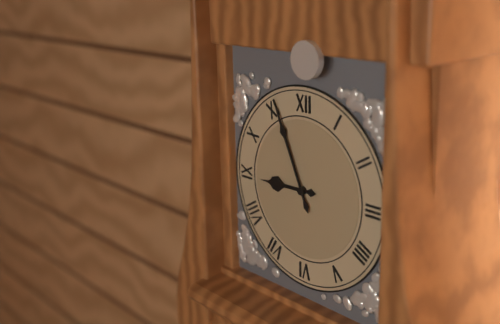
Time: 8h56
